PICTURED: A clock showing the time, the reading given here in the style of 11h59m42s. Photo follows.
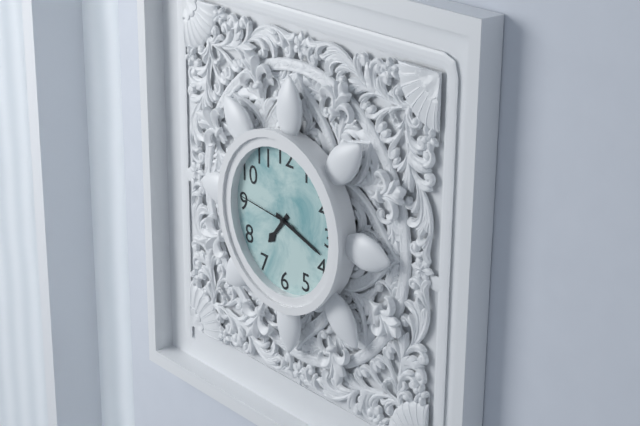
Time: 7h18m46s
